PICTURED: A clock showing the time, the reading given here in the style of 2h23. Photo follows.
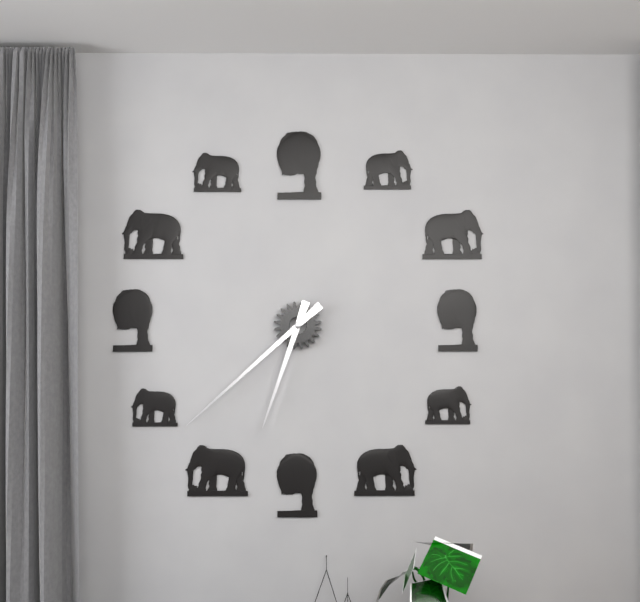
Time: 6h38
